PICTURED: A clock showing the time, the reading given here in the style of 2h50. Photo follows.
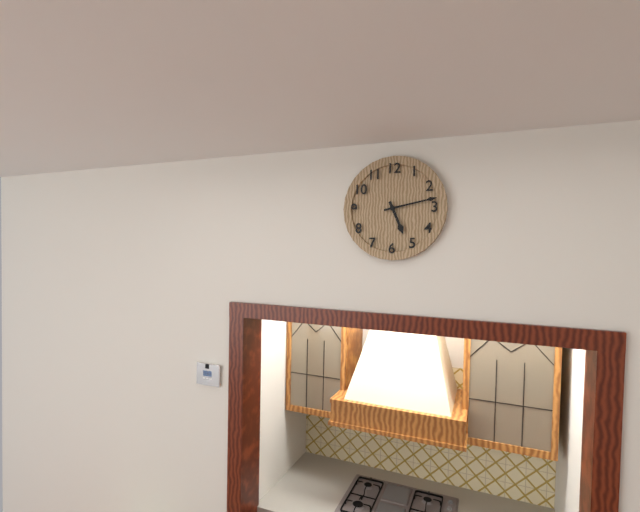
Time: 5h13
